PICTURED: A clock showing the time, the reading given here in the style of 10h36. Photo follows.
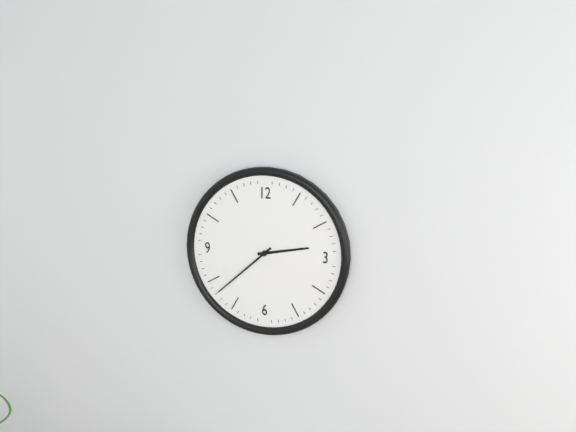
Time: 2h38
